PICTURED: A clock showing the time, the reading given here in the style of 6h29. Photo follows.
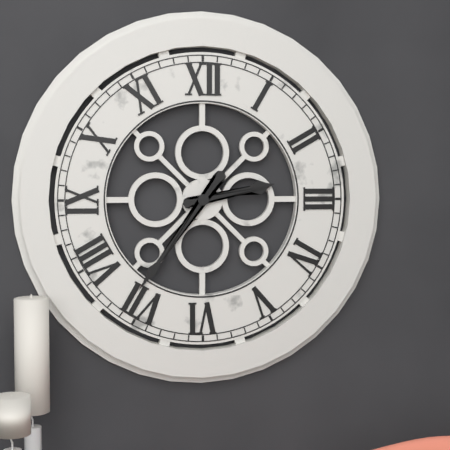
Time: 2h36
